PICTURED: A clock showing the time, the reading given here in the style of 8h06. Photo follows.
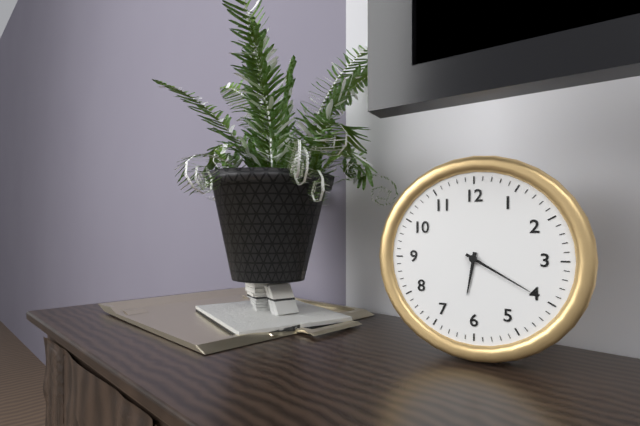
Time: 6h20
